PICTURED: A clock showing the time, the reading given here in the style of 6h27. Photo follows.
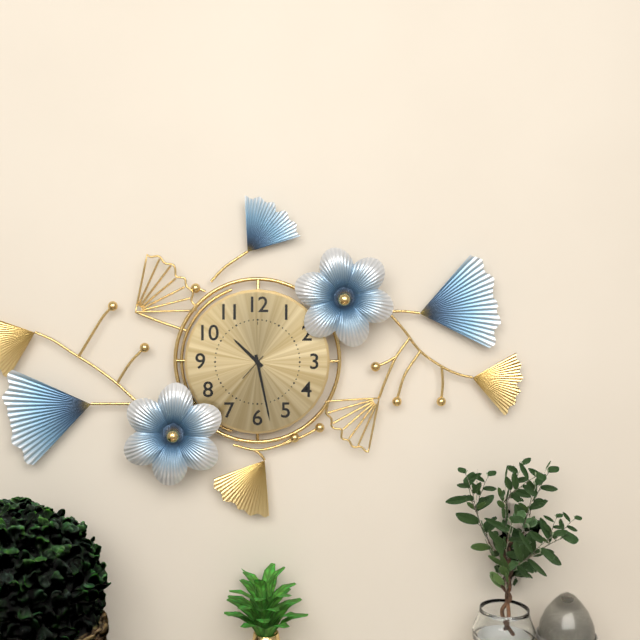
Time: 10h28
